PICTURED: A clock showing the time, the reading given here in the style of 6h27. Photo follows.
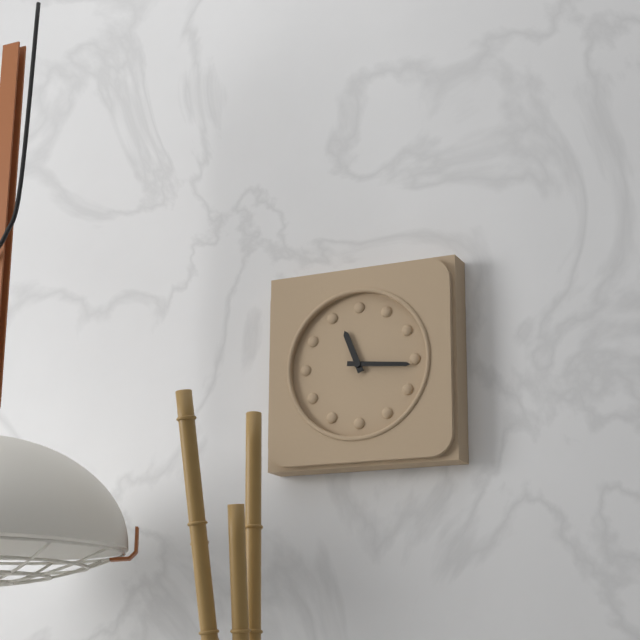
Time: 11h16
